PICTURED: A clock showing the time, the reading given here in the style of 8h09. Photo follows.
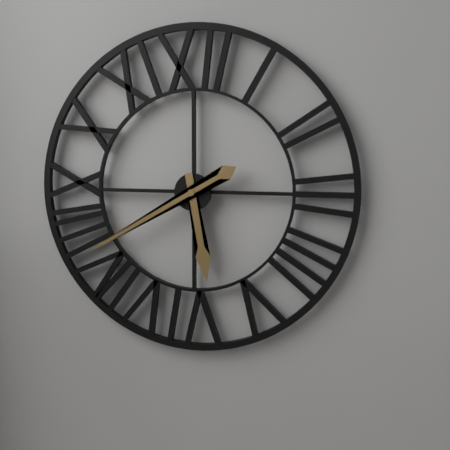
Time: 5h40
